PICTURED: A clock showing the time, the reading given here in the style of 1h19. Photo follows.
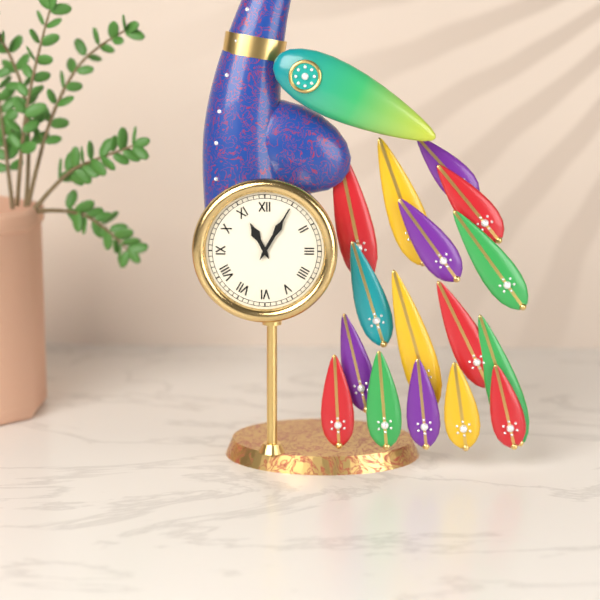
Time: 11h05
